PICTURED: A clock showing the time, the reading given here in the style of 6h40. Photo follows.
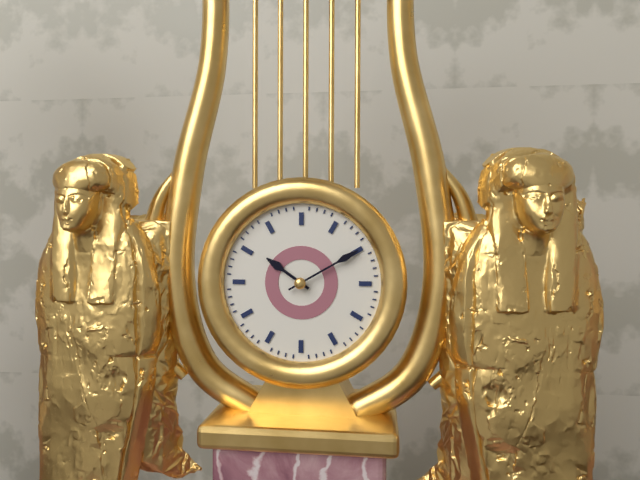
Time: 10h10
